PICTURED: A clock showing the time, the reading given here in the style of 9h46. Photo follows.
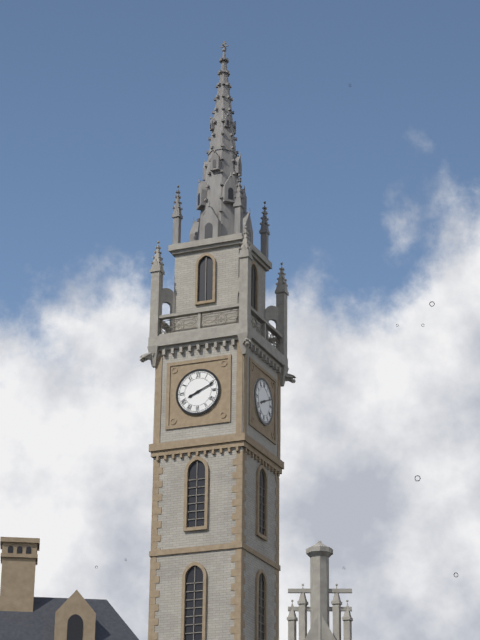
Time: 8h11
